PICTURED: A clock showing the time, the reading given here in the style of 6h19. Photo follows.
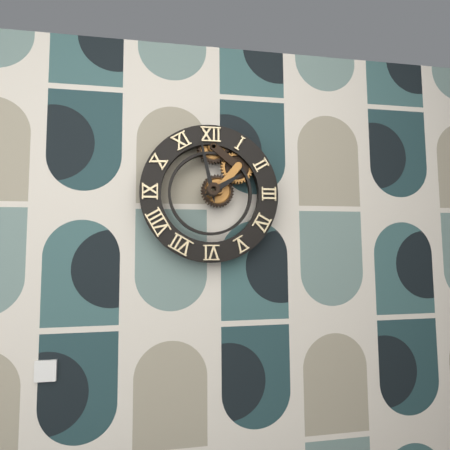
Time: 1h58
